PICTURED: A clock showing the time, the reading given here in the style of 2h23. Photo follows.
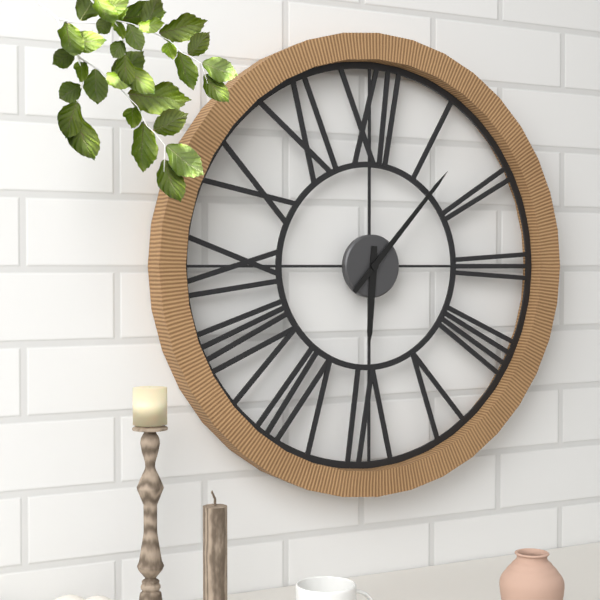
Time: 6h07
